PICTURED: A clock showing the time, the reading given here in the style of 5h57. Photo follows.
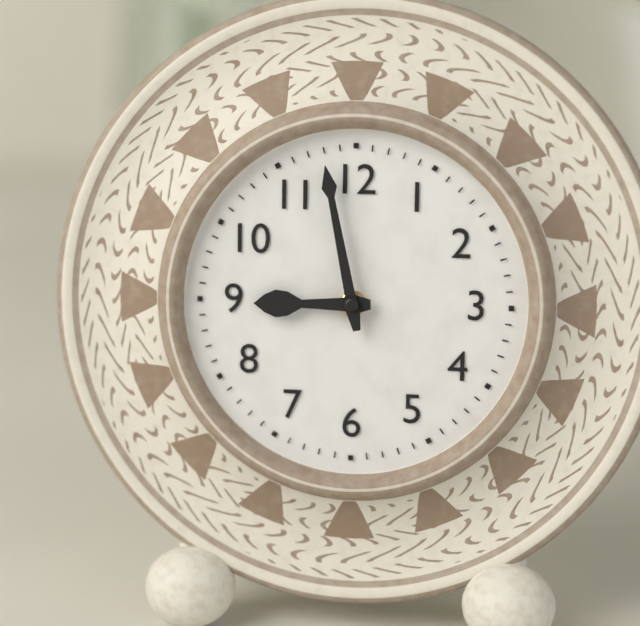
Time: 8h58
